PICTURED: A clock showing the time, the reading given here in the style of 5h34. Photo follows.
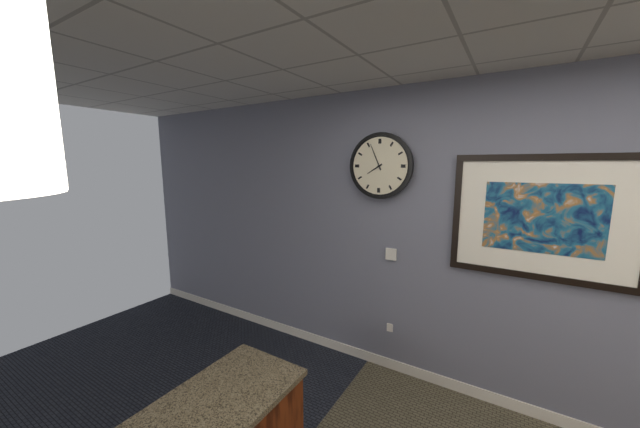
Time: 7h56
